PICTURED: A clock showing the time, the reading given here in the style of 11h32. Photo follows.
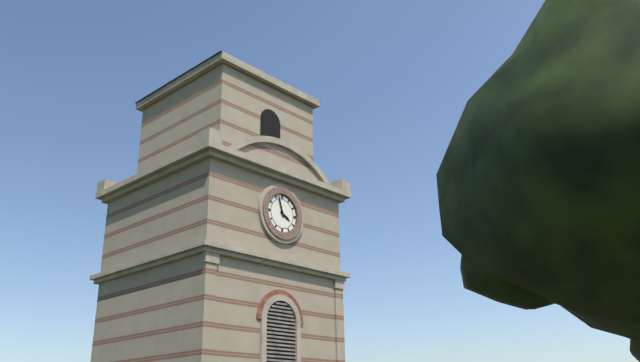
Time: 3h57
